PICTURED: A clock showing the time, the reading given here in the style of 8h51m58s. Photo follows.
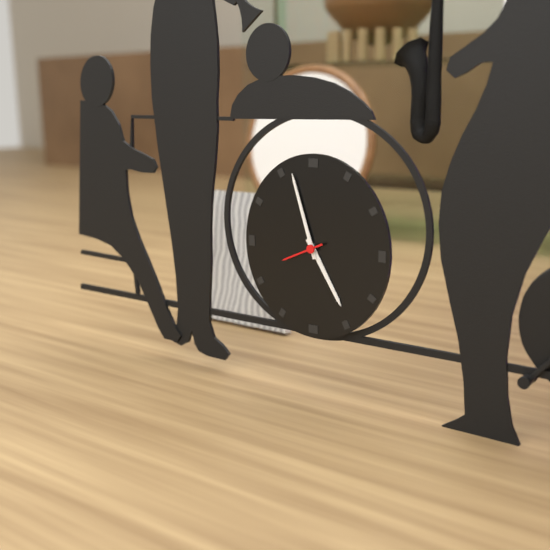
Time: 4h57m41s
